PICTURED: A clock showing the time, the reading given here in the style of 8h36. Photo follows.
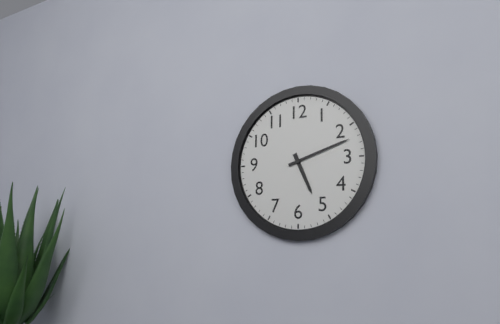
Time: 5h12
